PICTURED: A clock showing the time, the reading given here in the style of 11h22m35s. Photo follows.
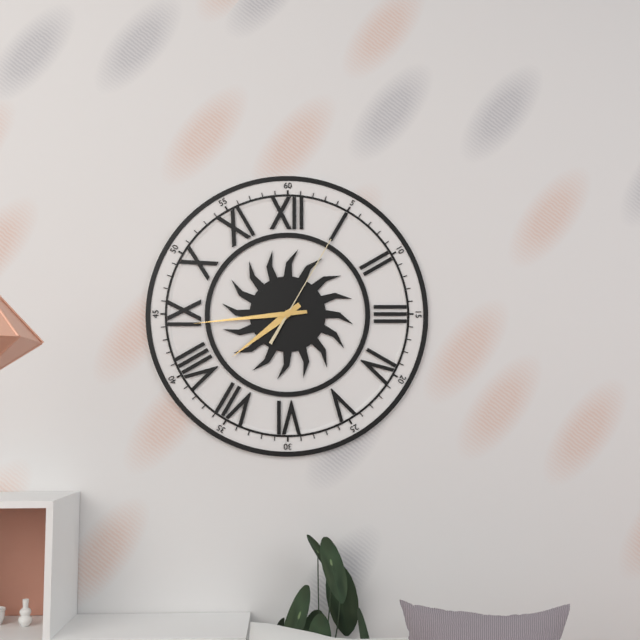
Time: 7h44m05s
